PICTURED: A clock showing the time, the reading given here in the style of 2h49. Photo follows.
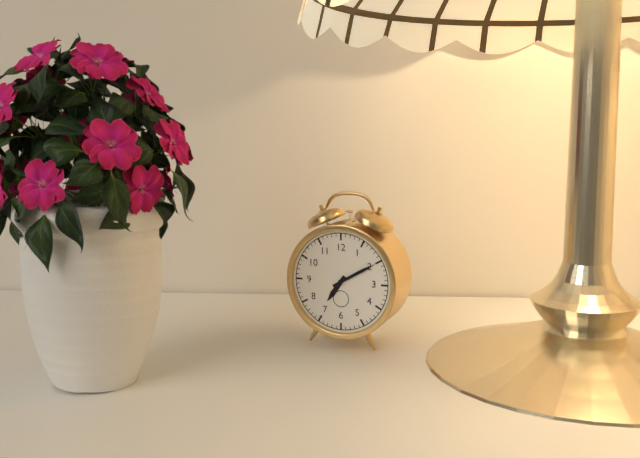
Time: 7h10
